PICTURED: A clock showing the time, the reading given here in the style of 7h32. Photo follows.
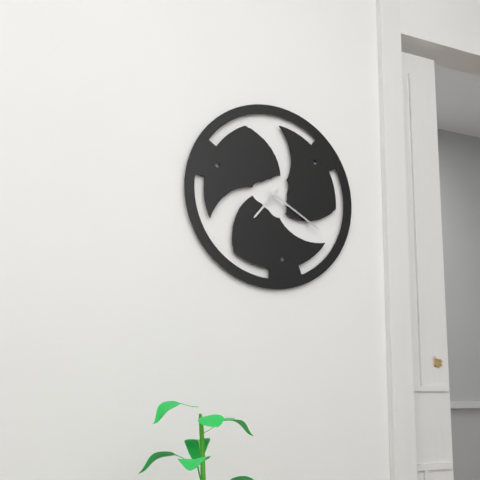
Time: 7h20
